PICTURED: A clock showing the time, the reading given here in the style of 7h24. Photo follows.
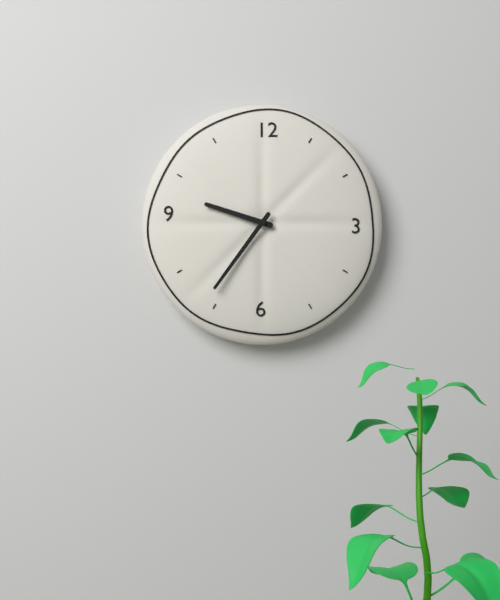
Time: 9h36
